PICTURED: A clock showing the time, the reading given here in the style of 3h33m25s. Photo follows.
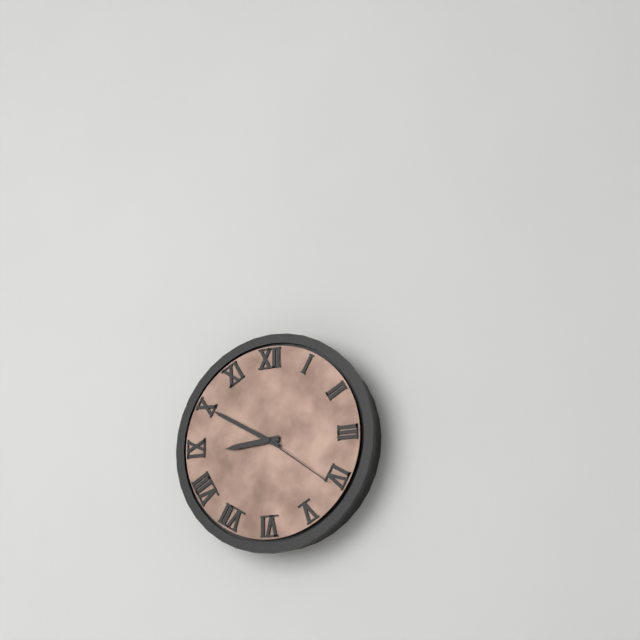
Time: 8h50m21s
